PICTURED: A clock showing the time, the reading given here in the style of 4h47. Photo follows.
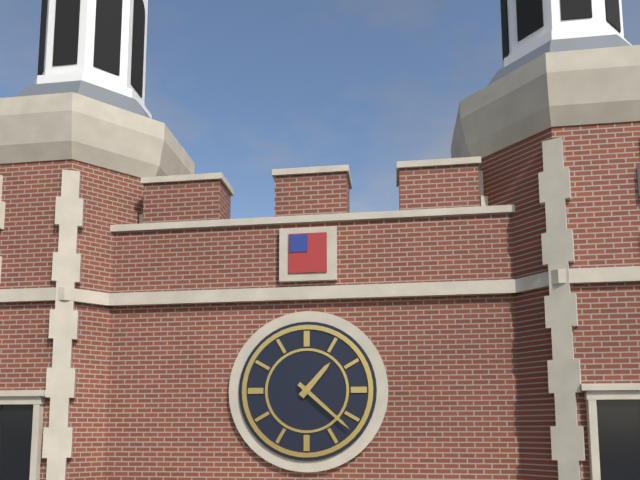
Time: 1h22
